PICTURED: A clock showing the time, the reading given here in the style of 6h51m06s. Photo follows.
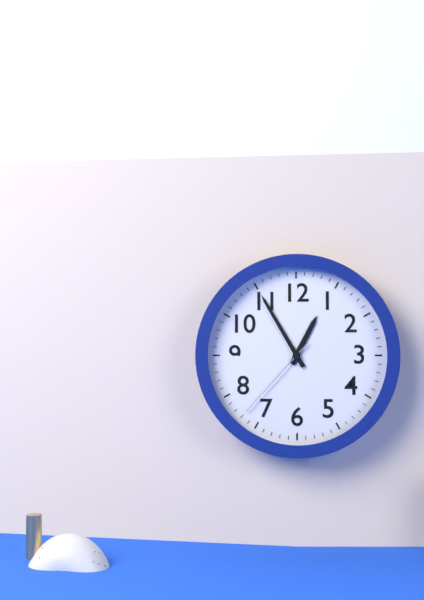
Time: 12h55m37s
